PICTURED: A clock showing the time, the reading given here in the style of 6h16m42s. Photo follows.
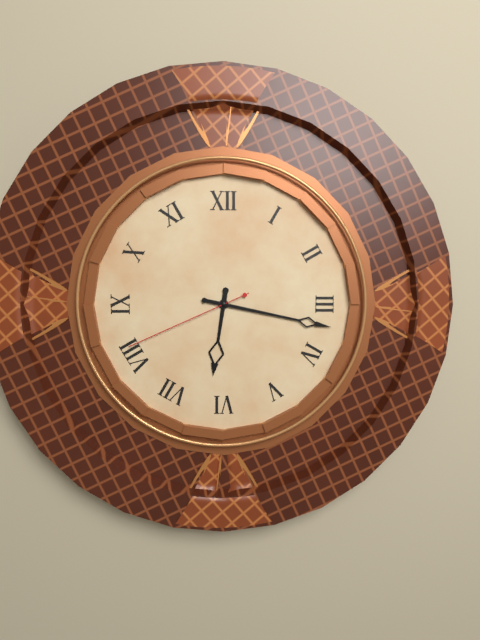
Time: 6h17m41s
